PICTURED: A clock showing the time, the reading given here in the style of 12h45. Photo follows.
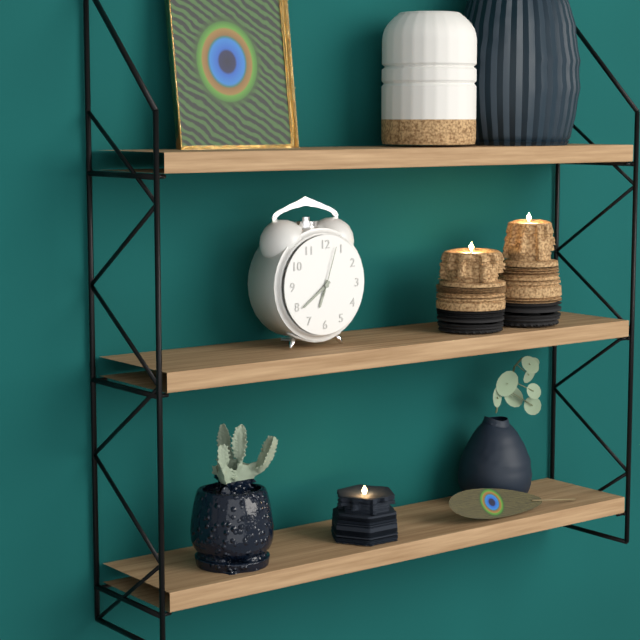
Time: 6h39
